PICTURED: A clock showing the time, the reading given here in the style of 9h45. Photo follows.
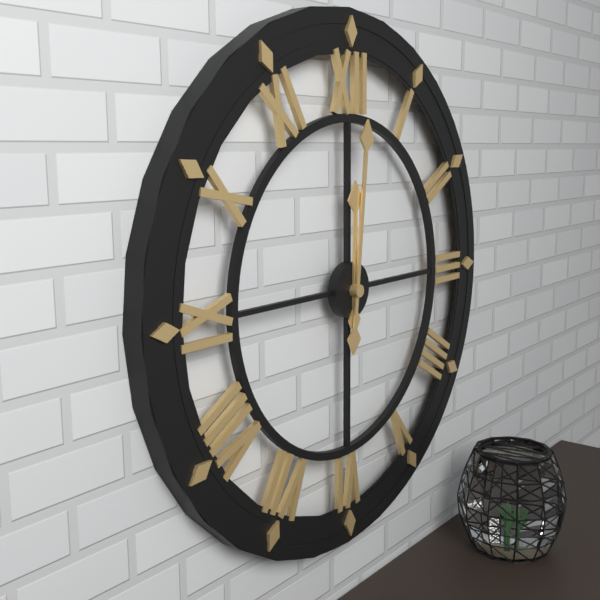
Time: 12h01
